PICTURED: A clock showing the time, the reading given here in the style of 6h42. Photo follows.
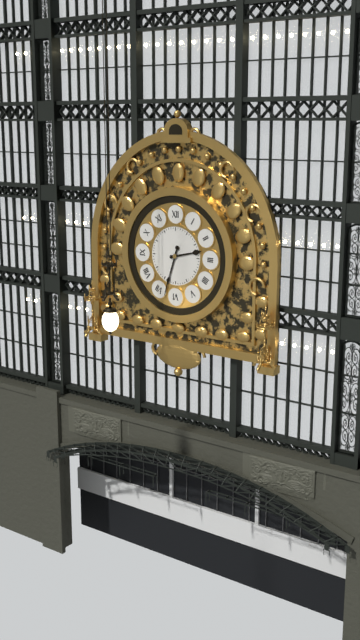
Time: 2h33
